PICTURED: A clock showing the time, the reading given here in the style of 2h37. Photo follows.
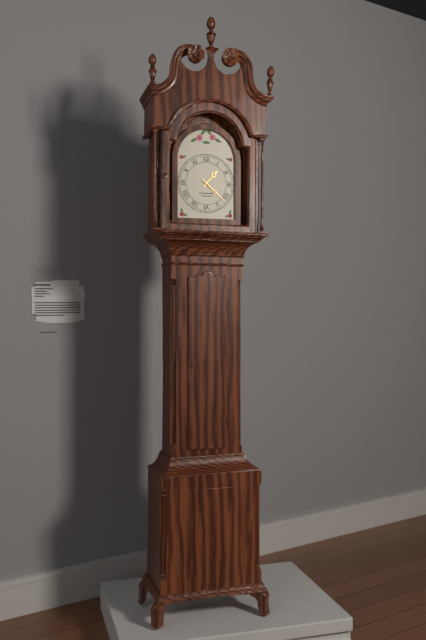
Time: 1h22
